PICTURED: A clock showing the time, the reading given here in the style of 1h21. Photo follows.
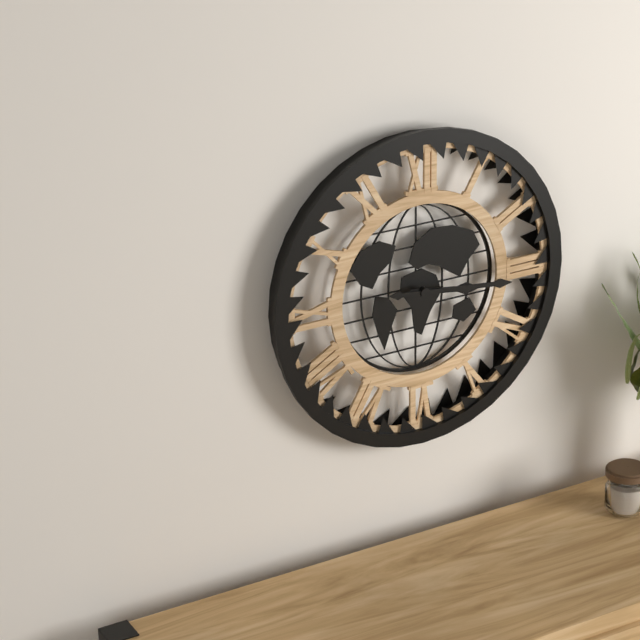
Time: 3h16
